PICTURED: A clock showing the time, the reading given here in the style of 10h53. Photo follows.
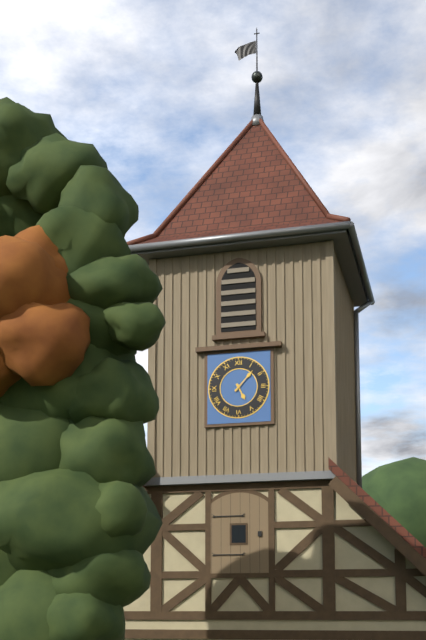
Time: 5h07
